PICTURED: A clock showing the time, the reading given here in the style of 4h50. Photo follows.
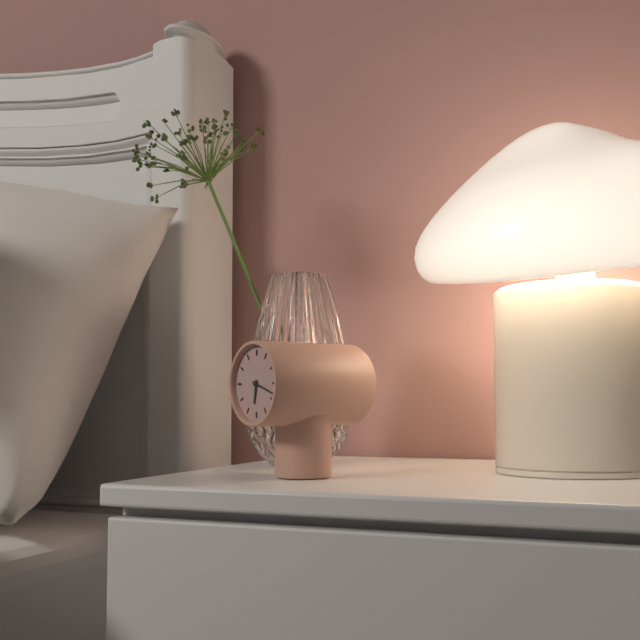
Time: 6h18
